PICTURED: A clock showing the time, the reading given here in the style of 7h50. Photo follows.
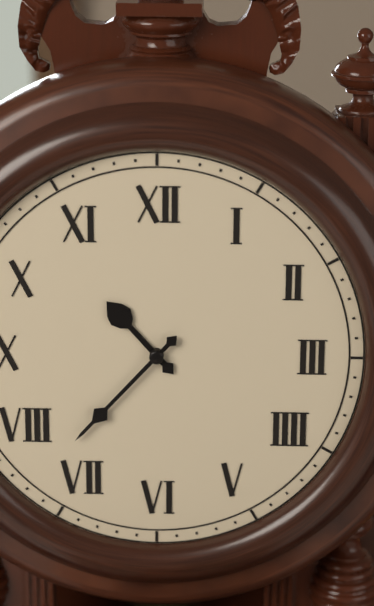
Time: 10h37
